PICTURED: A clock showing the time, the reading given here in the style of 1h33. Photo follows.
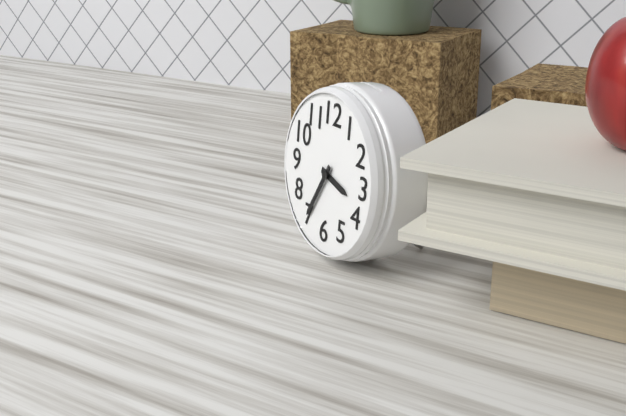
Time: 3h35
